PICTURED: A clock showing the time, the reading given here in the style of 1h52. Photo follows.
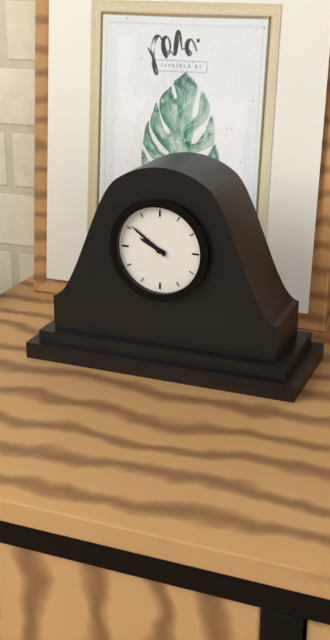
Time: 9h51
